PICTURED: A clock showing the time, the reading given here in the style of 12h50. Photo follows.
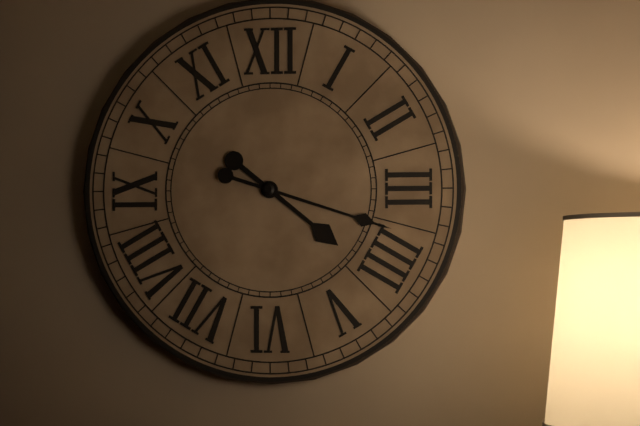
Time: 4h18
